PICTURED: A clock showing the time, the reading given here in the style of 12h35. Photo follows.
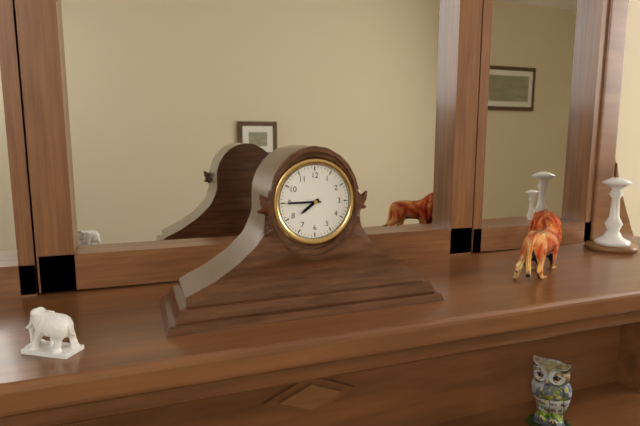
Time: 7h45
